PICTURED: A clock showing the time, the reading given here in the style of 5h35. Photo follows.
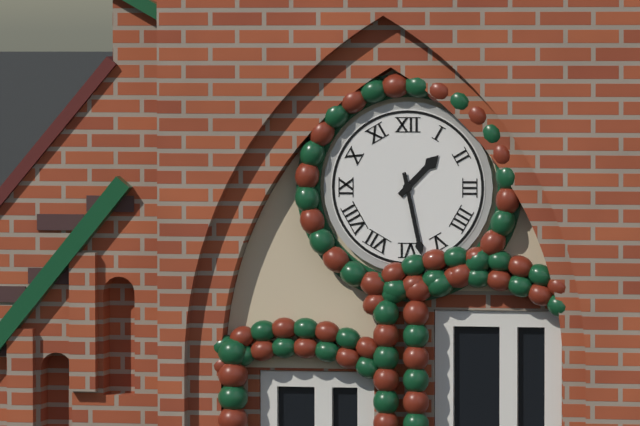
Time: 1h28
